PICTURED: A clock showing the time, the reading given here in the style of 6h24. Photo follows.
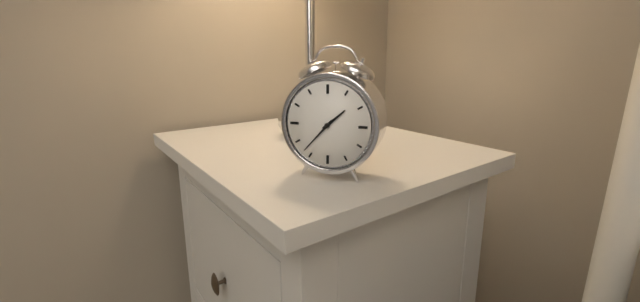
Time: 1h37
